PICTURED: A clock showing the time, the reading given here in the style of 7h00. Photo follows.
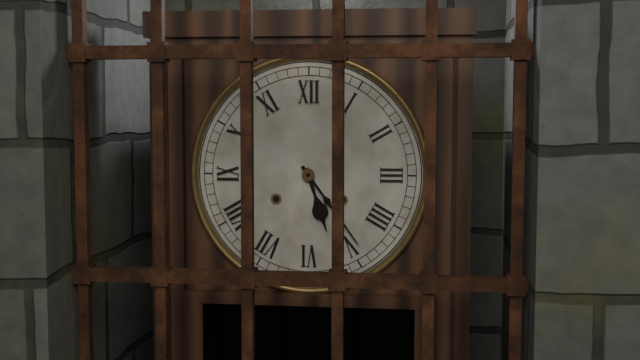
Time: 5h24
